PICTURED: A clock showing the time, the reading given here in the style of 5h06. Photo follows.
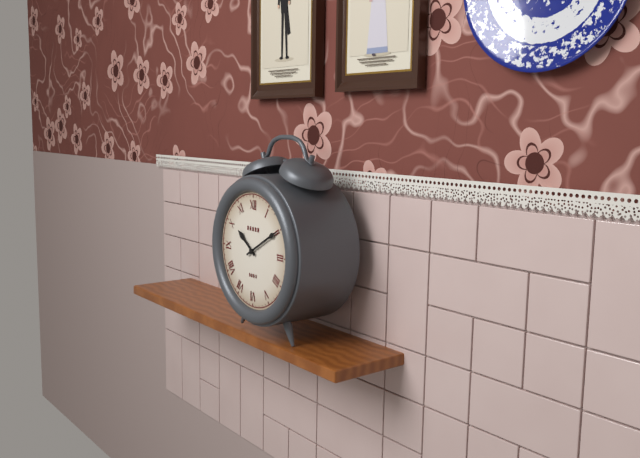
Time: 10h10
